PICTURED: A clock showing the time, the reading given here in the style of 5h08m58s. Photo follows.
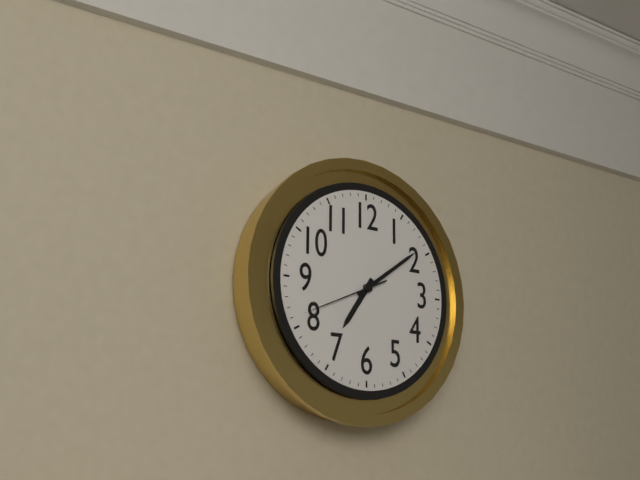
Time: 7h09m41s
